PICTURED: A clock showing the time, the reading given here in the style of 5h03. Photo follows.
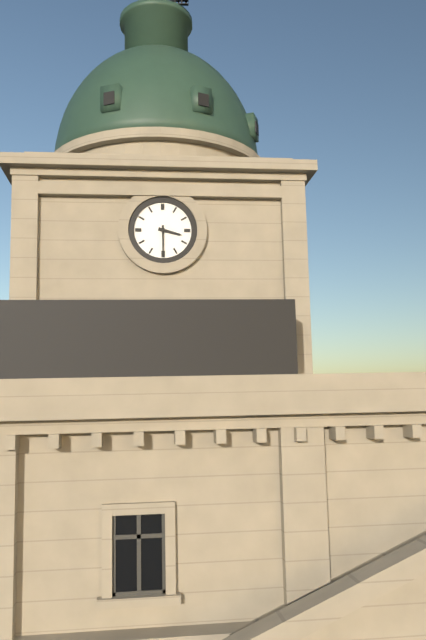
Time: 3h30
